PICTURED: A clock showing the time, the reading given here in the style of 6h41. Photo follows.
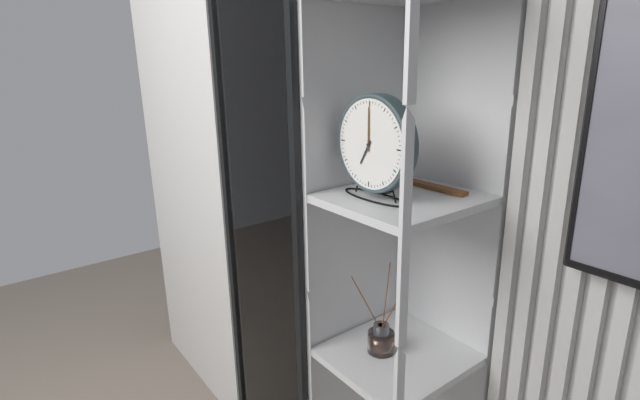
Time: 7h00
